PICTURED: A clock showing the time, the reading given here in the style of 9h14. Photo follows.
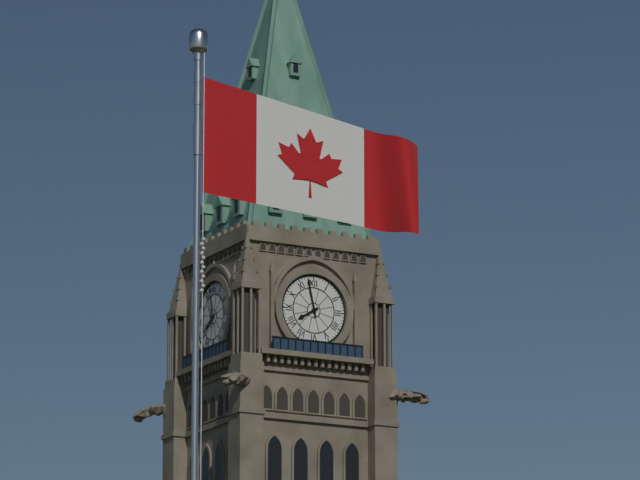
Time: 7h58
